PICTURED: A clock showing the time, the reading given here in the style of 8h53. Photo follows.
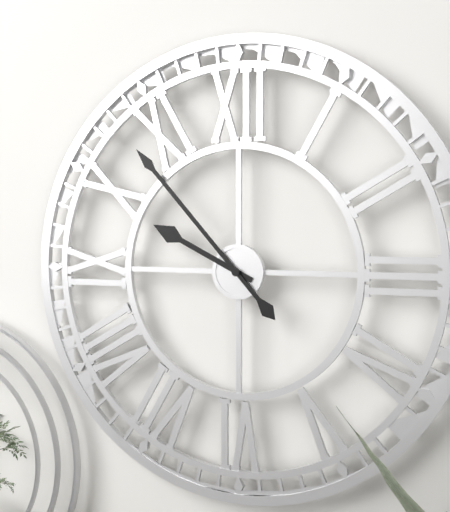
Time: 9h53
